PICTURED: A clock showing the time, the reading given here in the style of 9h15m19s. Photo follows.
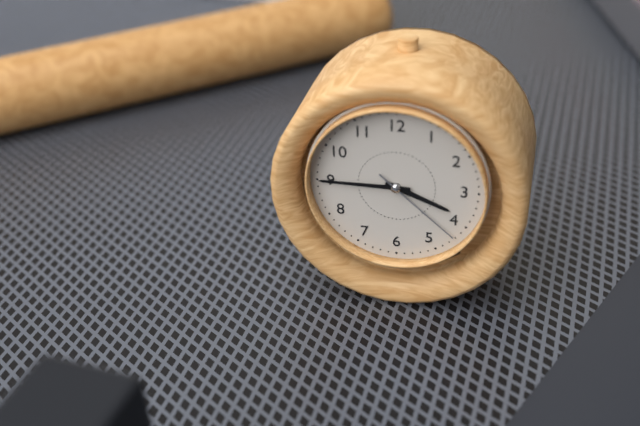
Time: 3h45m22s
